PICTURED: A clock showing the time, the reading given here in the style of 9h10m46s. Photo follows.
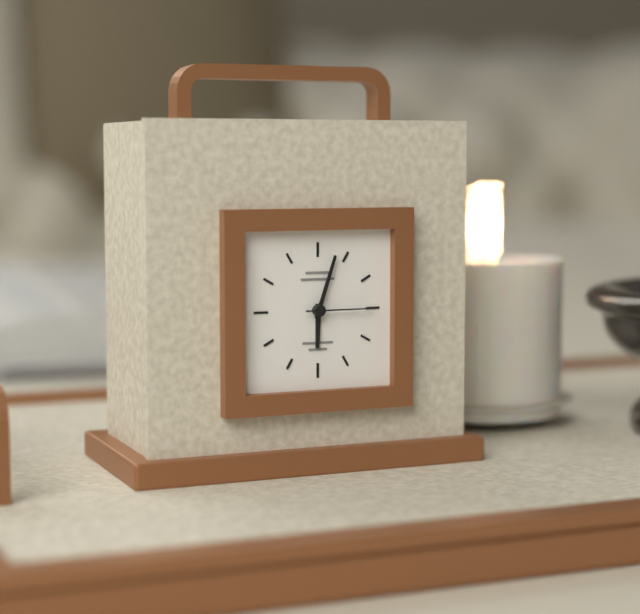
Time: 6h03m15s
